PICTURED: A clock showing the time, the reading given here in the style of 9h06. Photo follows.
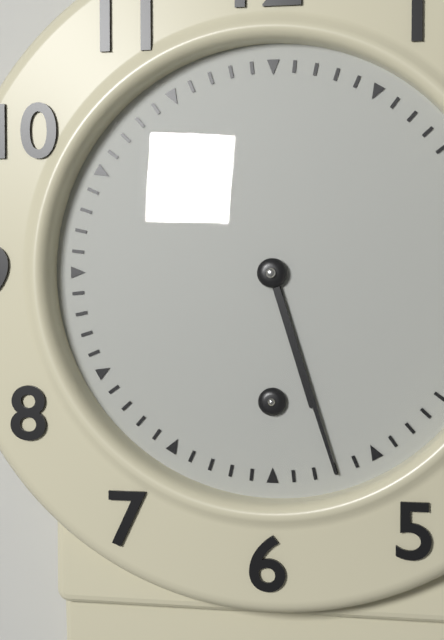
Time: 5h27
